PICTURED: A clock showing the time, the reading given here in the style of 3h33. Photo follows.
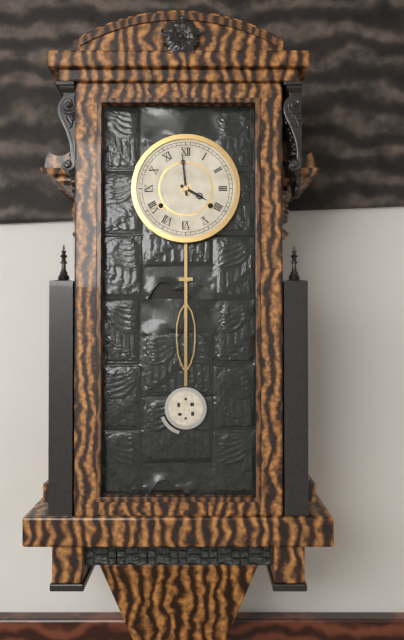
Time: 3h59
